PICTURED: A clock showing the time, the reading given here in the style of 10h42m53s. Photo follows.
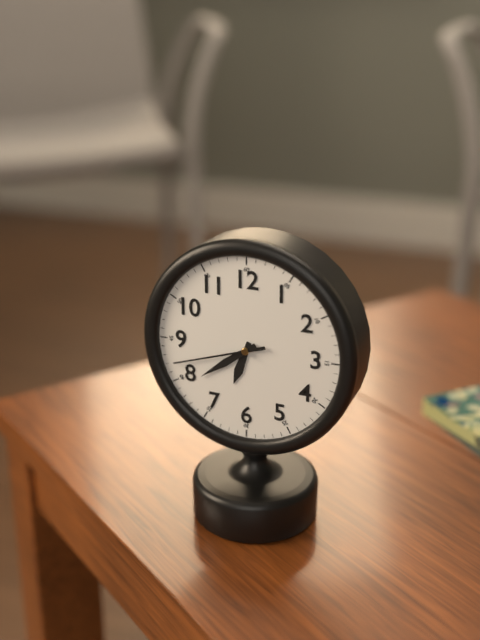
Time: 6h39m42s
